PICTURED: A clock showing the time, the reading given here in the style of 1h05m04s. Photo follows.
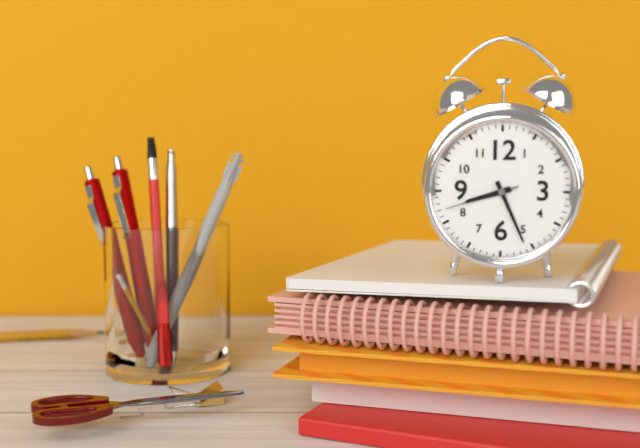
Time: 8h26m42s
